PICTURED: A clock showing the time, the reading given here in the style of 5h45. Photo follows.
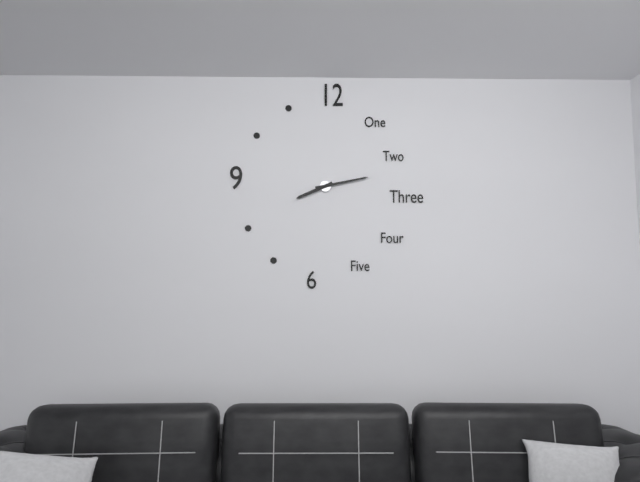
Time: 8h13
